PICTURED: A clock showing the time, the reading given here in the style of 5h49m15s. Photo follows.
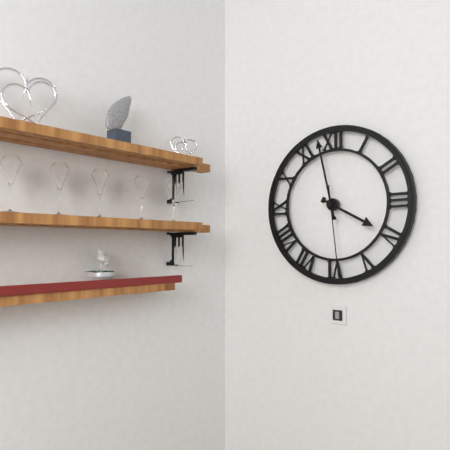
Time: 3h58m29s
